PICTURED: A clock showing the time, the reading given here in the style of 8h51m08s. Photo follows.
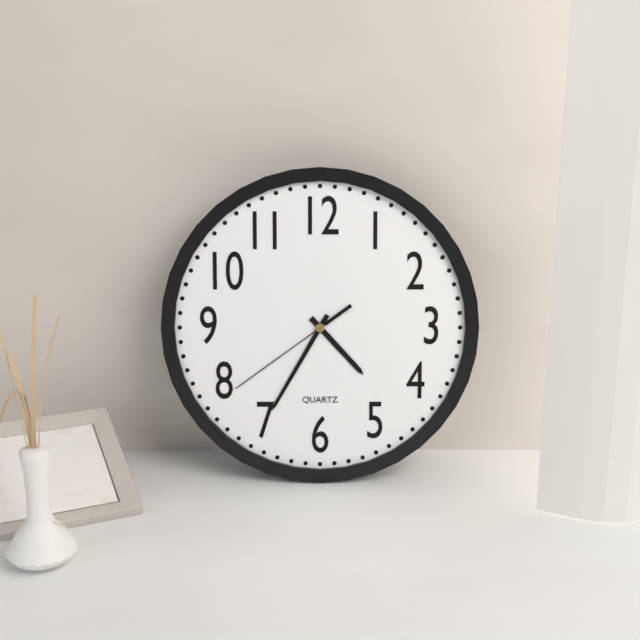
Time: 4h35m39s
